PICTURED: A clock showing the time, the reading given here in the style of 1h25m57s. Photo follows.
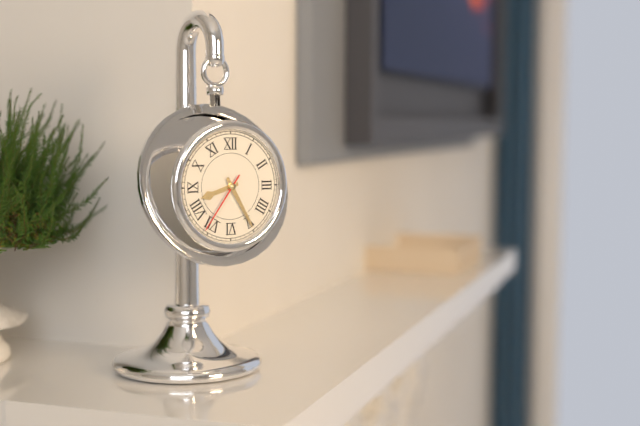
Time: 8h25m36s
